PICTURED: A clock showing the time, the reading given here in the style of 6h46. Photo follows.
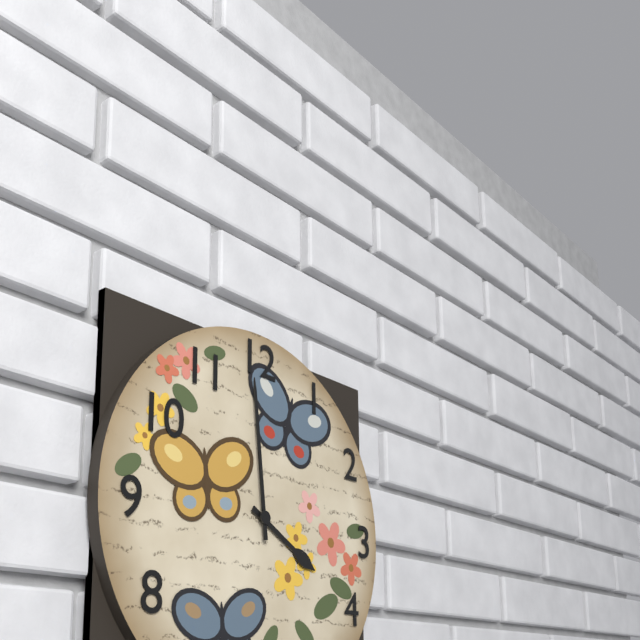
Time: 3h59
